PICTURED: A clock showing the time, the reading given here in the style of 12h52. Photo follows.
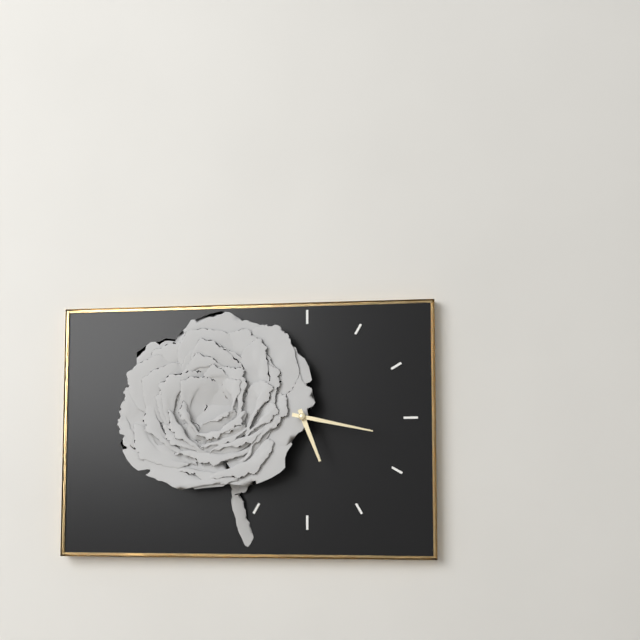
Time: 5h17
